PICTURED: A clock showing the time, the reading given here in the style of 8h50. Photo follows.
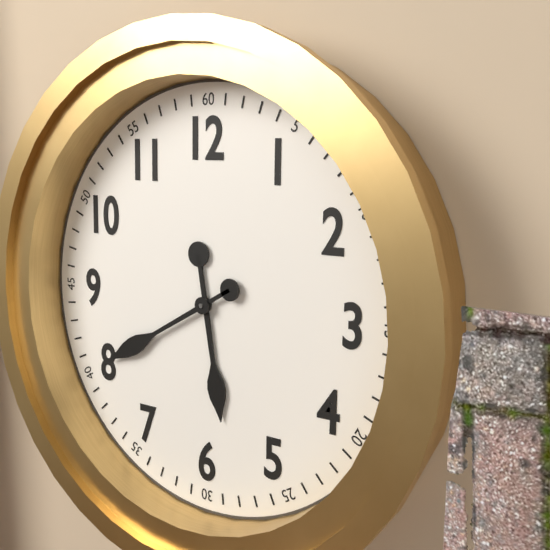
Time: 5h40
